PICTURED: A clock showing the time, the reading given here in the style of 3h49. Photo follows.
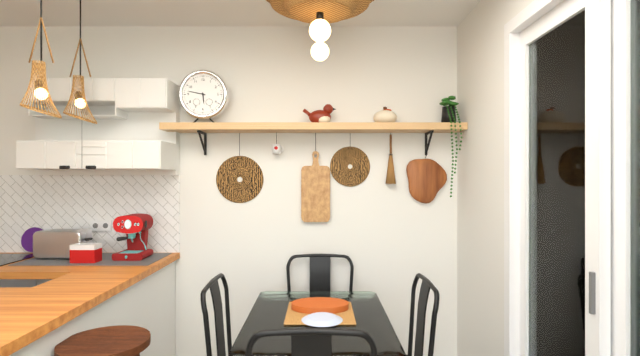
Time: 5h47
